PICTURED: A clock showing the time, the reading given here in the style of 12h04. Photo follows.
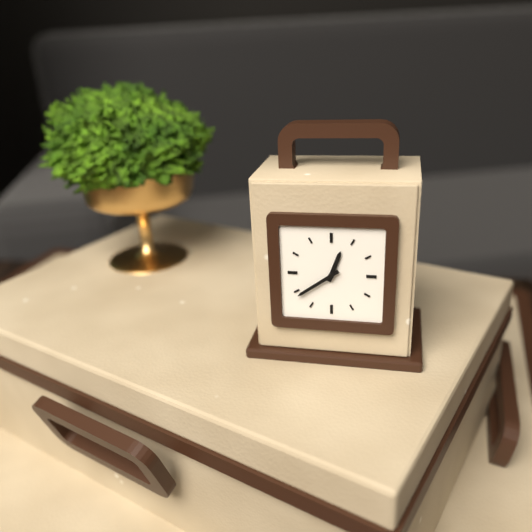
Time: 12h39
